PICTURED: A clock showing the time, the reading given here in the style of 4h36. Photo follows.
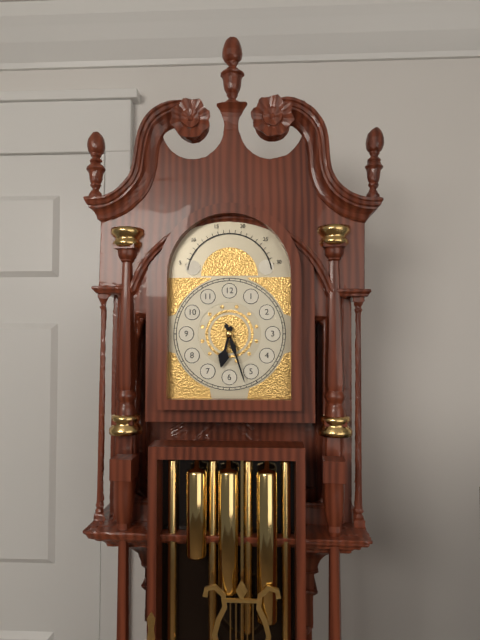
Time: 6h27
